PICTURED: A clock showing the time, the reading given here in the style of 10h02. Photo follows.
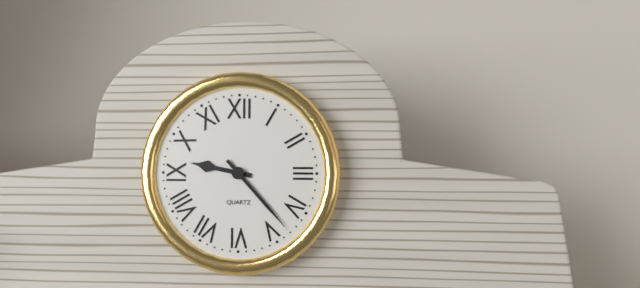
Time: 9h23
